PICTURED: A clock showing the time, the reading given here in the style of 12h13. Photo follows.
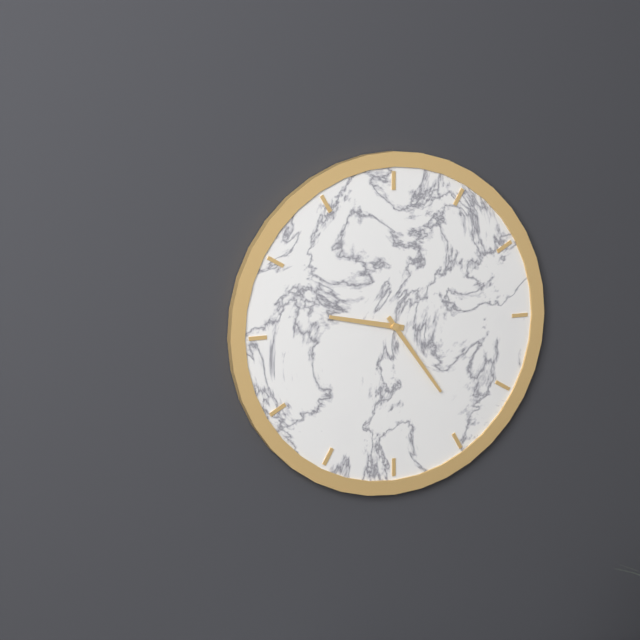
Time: 9h24
